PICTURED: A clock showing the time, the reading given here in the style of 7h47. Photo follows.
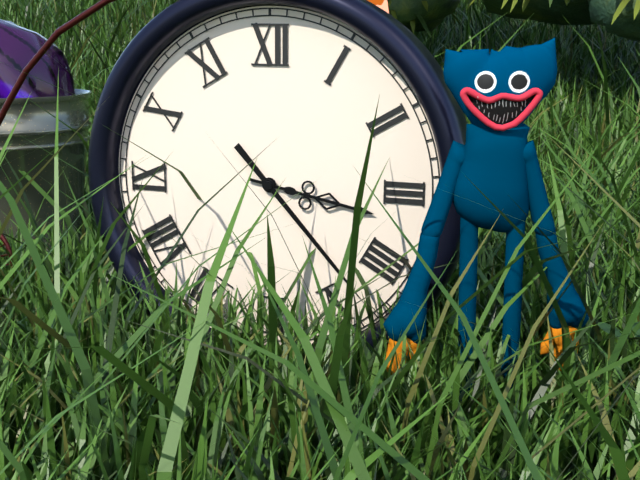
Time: 3h23
